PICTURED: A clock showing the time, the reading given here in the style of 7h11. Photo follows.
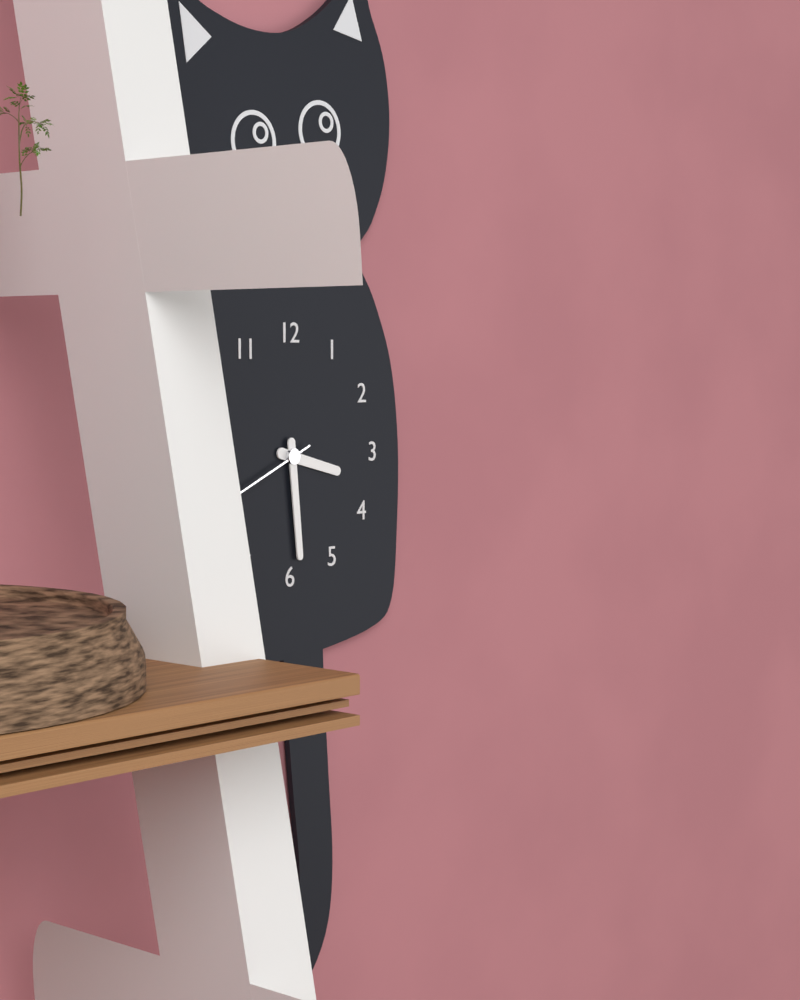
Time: 3h29
